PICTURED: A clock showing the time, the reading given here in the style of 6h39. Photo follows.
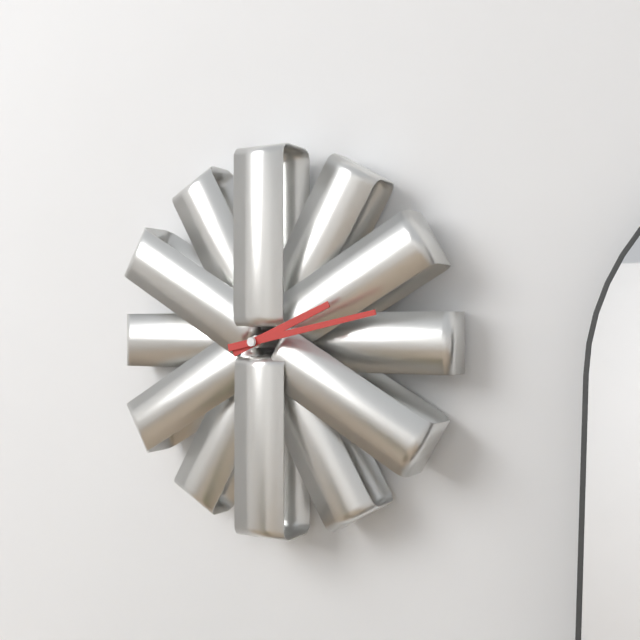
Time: 2h13
